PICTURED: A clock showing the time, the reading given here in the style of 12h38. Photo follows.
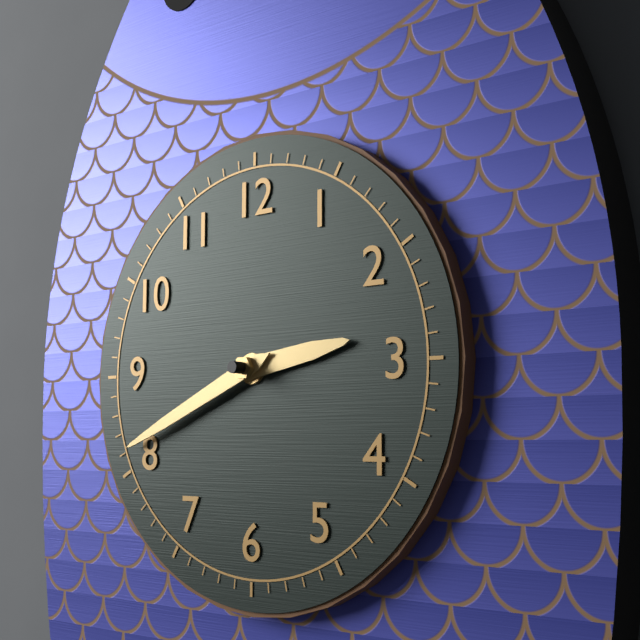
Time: 2h41
